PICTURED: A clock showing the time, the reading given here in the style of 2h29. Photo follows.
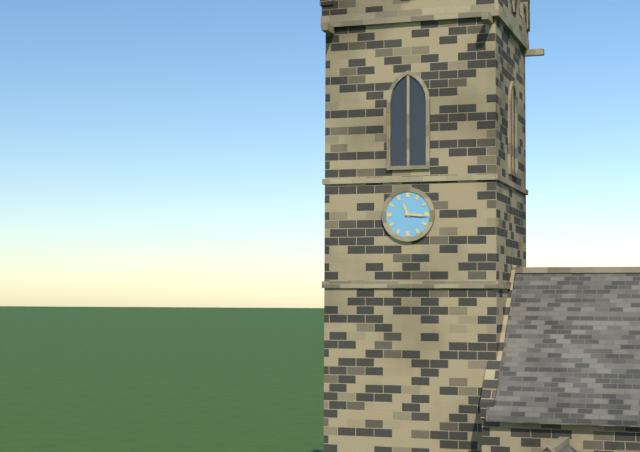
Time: 11h16
